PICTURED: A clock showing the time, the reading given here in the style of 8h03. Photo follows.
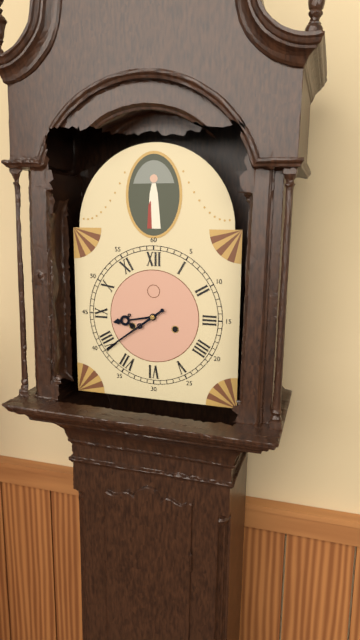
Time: 8h39
